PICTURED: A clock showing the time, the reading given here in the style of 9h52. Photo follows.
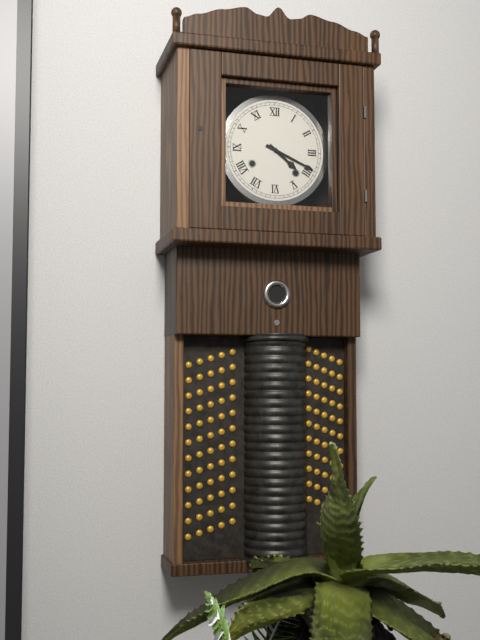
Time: 4h19
